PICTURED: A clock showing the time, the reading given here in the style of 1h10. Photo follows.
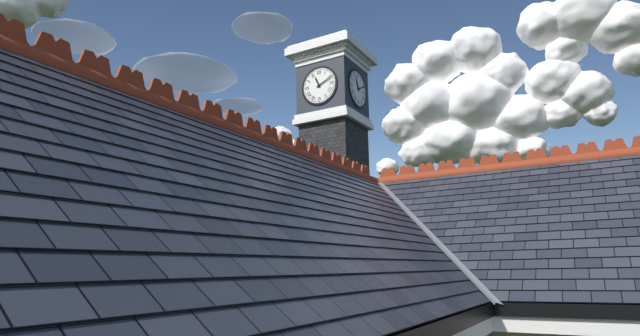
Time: 11h11
